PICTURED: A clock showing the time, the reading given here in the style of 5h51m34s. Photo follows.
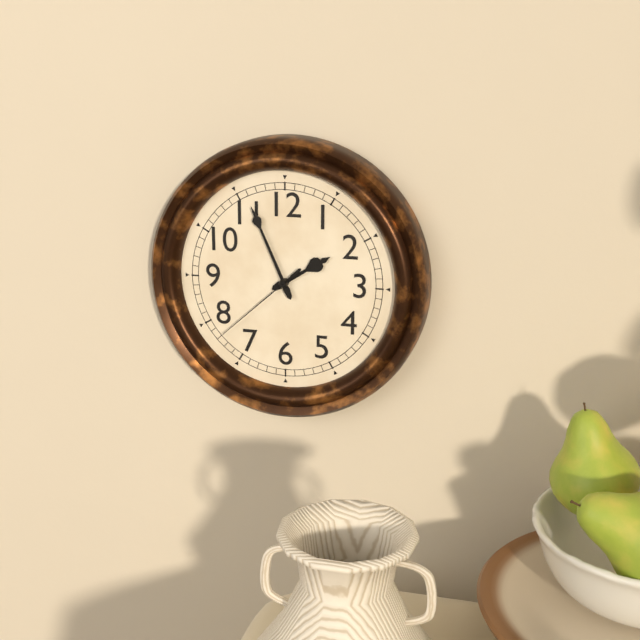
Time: 1h56m38s
